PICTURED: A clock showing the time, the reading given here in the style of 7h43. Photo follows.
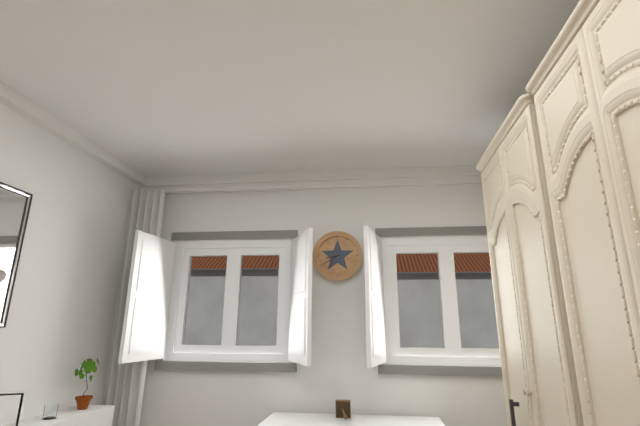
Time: 8h40
